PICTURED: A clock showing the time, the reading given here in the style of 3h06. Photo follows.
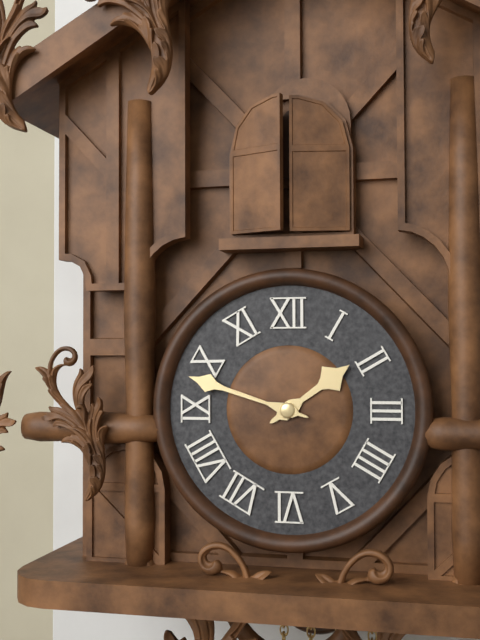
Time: 1h48
